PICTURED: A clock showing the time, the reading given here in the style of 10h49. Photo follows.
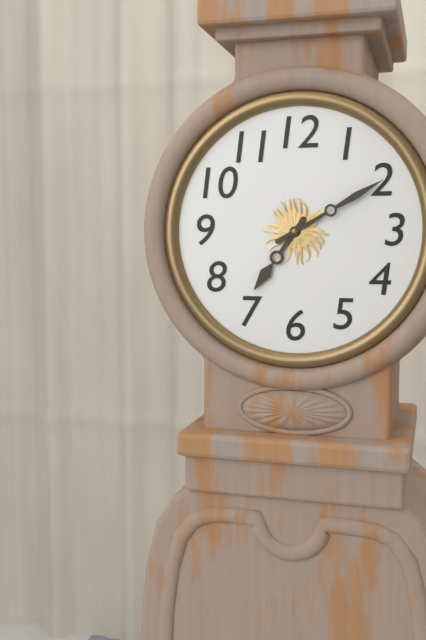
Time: 7h10
